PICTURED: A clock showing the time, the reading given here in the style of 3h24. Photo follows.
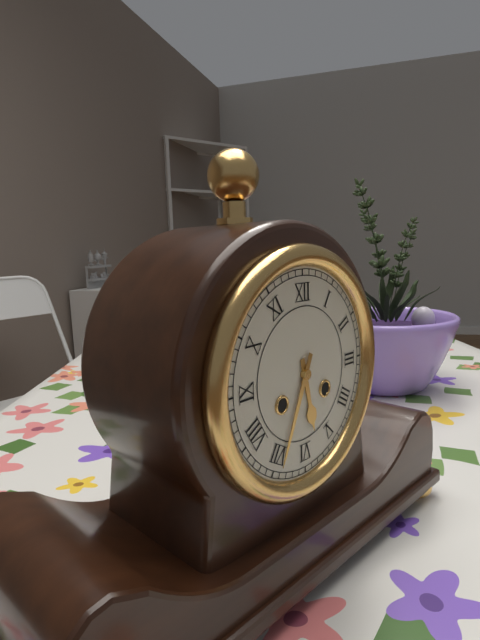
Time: 5h34
